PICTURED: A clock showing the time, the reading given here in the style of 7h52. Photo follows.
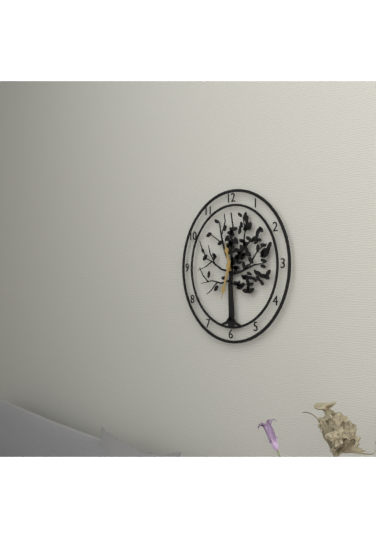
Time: 11h33
